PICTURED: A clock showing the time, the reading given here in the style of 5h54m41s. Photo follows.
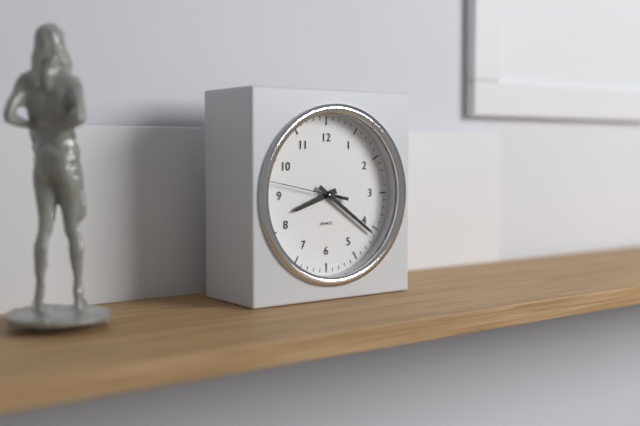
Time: 8h21m47s
